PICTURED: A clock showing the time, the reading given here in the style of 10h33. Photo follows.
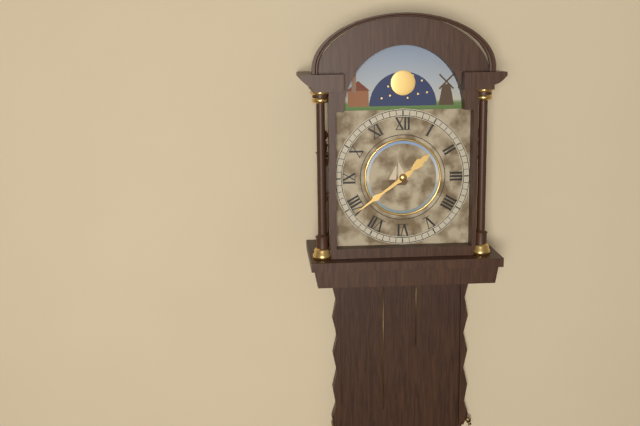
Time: 1h39
